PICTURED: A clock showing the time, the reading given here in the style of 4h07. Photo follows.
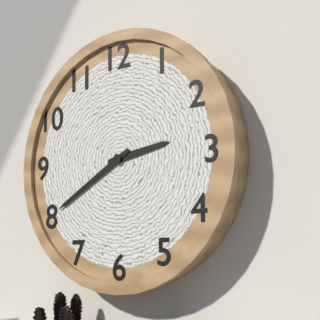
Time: 2h40
